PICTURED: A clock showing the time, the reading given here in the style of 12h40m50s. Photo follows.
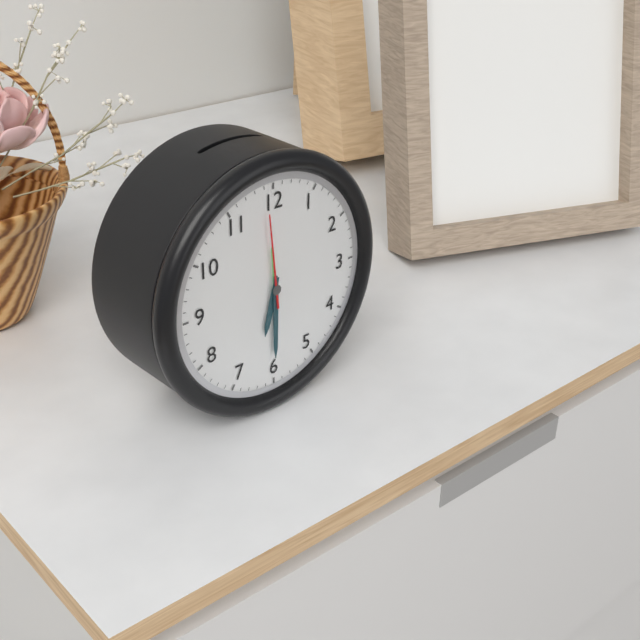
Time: 6h30m59s
